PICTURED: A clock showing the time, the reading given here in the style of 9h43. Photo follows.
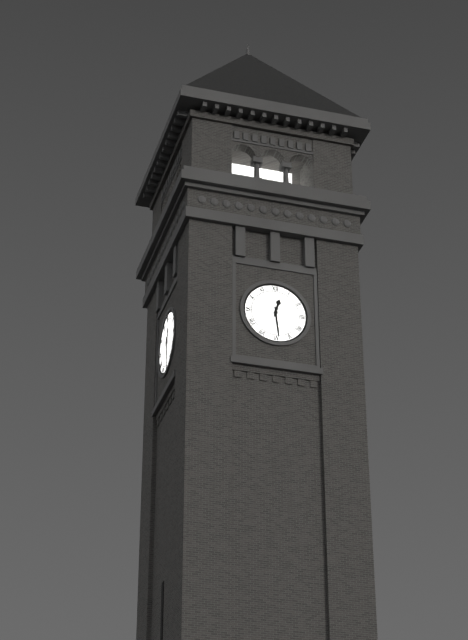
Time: 12h29
